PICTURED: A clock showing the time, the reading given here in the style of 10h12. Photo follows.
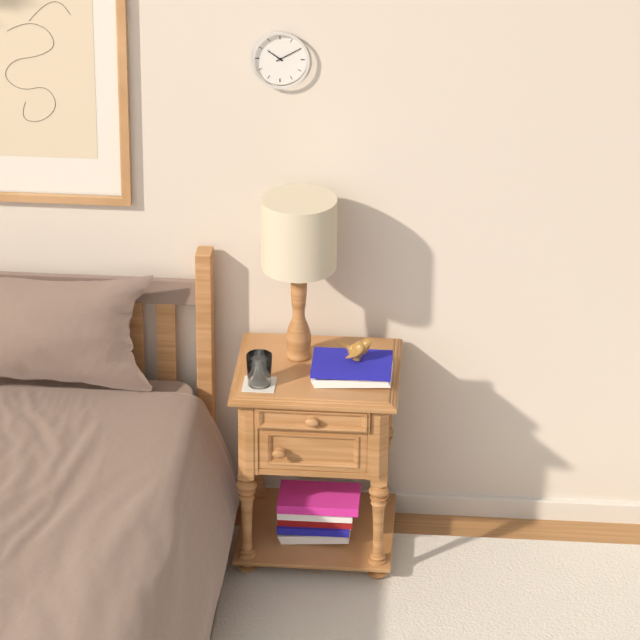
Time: 10h10
